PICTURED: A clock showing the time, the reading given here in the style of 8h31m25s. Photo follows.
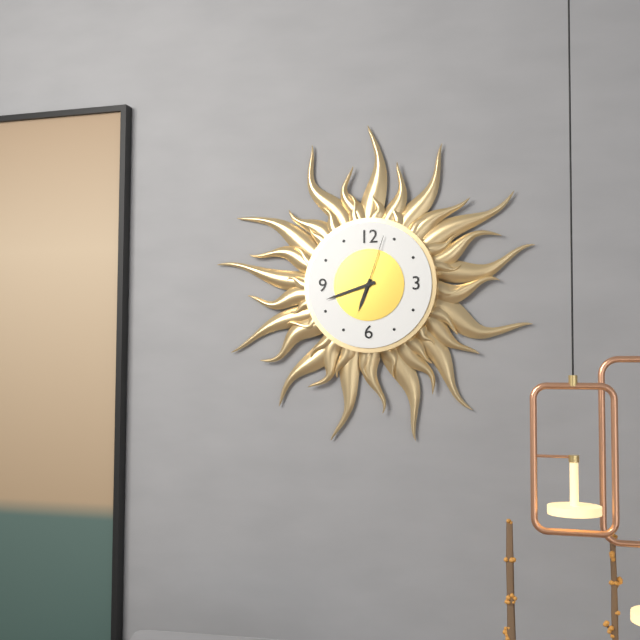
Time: 6h42m03s
